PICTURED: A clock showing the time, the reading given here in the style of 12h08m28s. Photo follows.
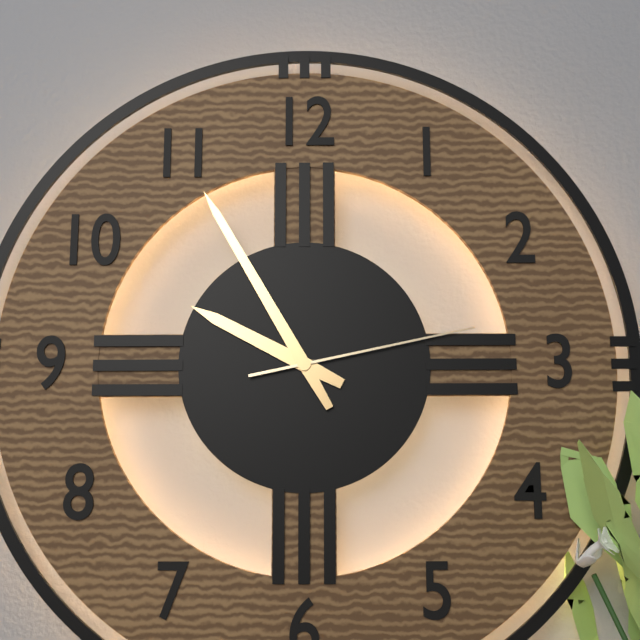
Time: 9h55m13s
